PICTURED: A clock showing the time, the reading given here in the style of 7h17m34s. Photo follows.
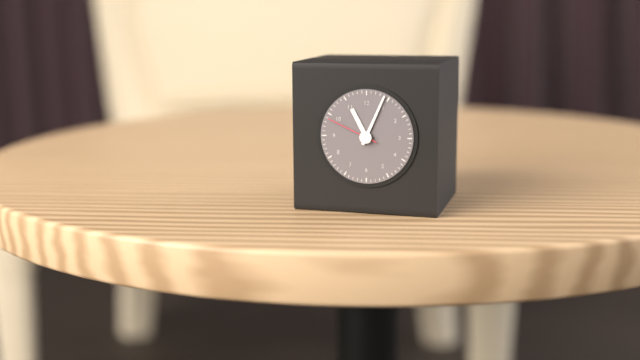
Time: 11h04m49s
